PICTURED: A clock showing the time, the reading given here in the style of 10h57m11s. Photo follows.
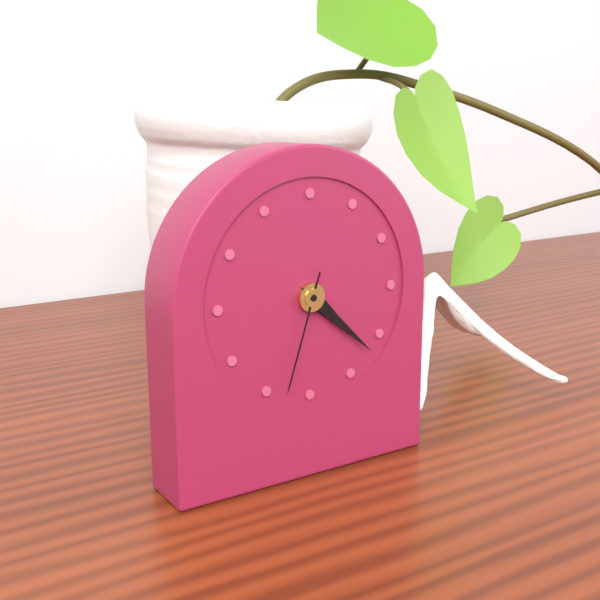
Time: 4h22m33s
